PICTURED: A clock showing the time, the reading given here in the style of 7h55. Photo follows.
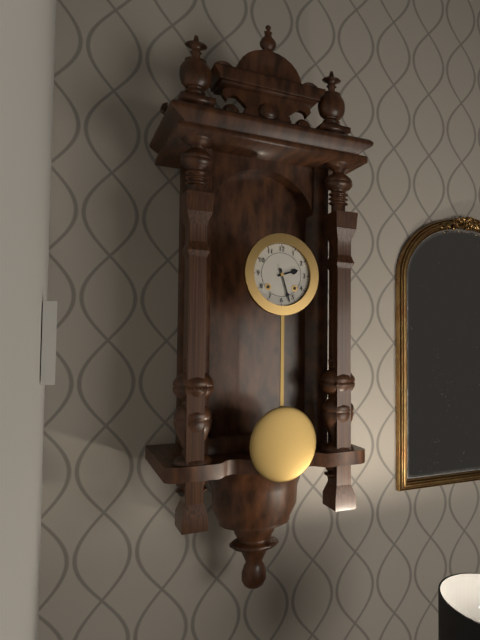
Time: 2h27
